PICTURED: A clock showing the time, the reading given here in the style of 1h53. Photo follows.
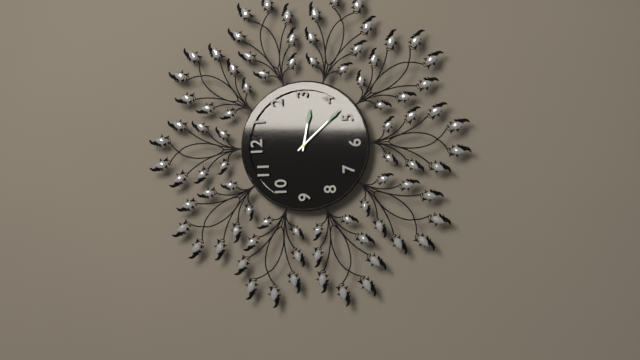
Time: 3h23
